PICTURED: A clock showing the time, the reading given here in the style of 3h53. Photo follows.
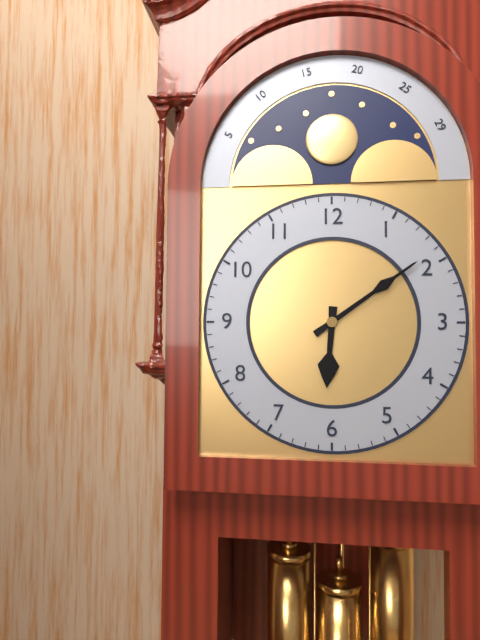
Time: 6h09
